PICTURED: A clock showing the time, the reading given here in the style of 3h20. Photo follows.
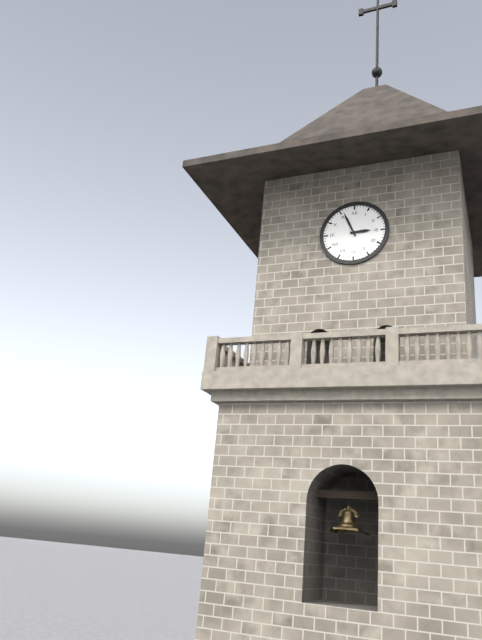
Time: 2h56
